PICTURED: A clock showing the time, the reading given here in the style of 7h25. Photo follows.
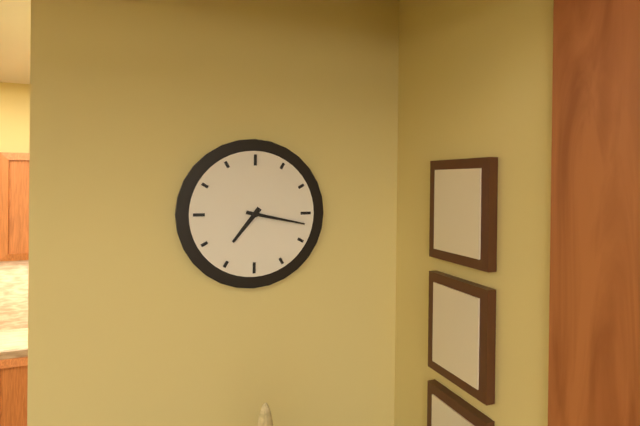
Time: 7h17
